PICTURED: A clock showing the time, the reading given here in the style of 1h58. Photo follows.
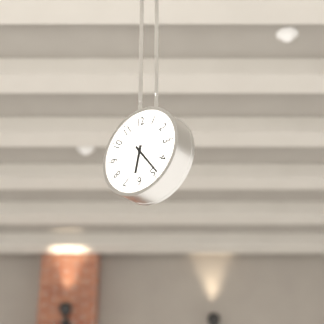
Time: 6h24
